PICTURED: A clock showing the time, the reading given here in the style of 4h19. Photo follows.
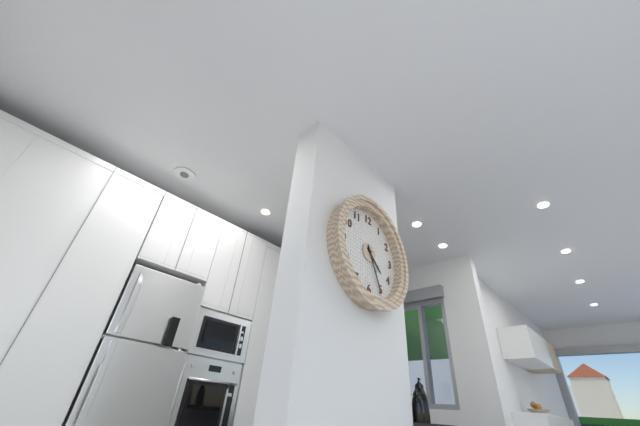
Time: 4h26
